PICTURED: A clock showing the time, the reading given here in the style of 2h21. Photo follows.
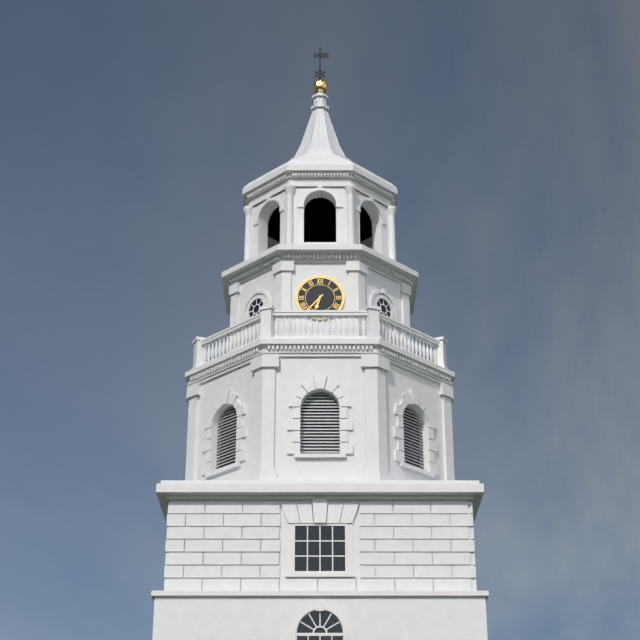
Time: 6h37
